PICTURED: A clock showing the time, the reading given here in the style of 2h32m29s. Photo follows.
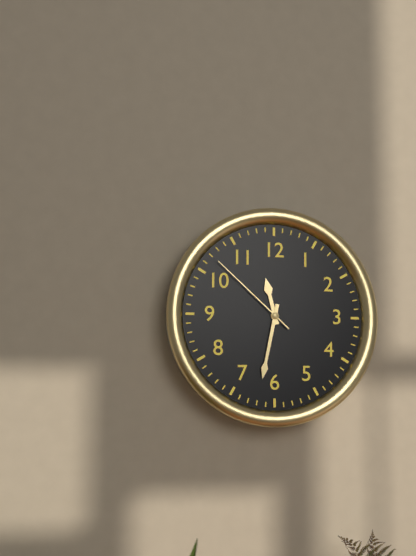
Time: 11h32m52s
